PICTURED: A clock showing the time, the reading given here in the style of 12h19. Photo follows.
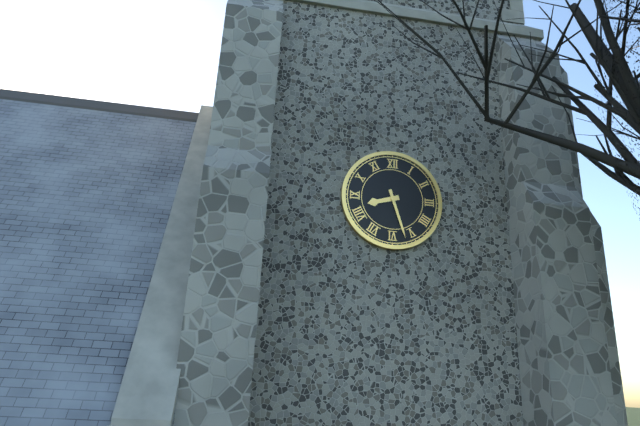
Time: 8h27
